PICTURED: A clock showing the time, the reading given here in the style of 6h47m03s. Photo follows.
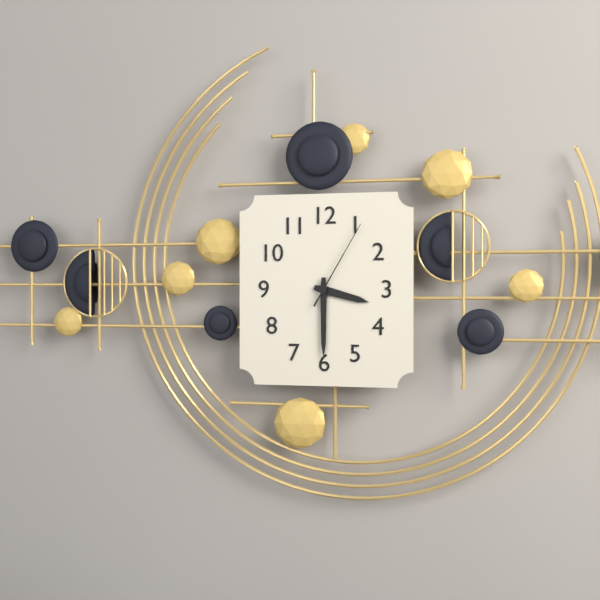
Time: 3h30m05s
